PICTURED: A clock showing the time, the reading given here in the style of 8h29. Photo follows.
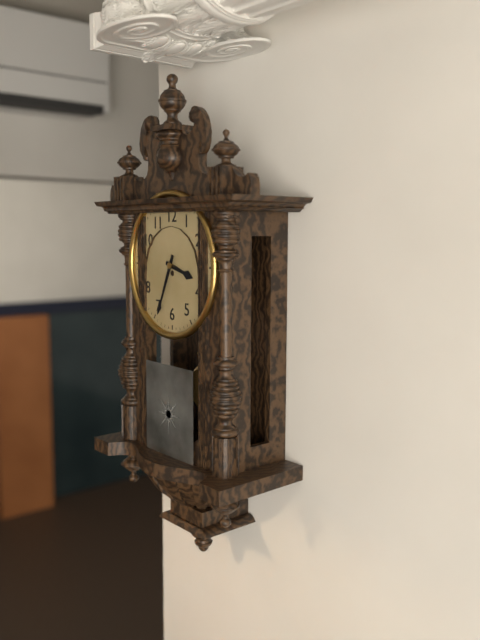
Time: 3h34
